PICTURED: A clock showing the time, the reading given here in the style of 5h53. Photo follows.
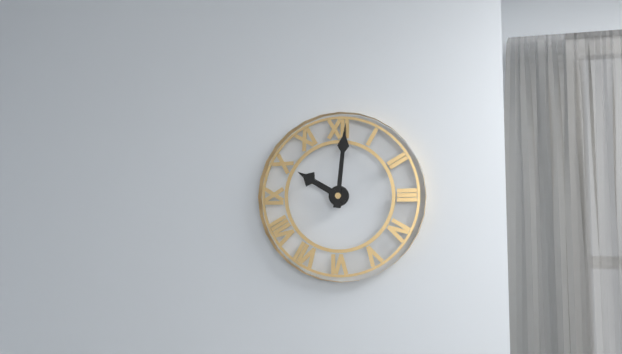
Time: 10h01
